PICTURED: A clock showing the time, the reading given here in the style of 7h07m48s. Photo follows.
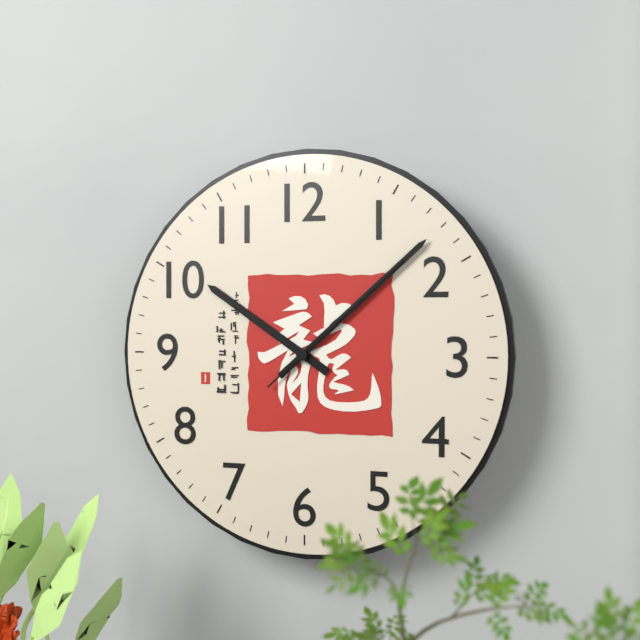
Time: 10h08m08s
